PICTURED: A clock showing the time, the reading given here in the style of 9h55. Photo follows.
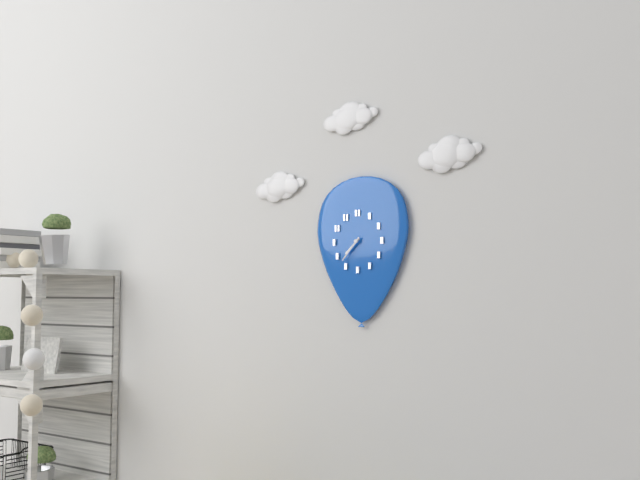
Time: 7h37
